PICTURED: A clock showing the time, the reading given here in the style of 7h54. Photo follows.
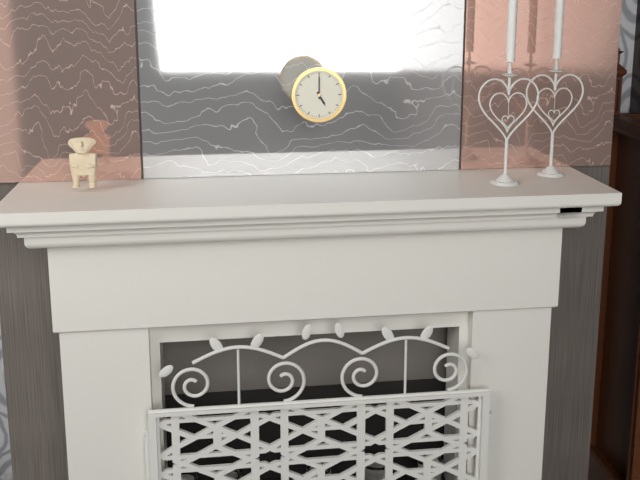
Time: 5h00
